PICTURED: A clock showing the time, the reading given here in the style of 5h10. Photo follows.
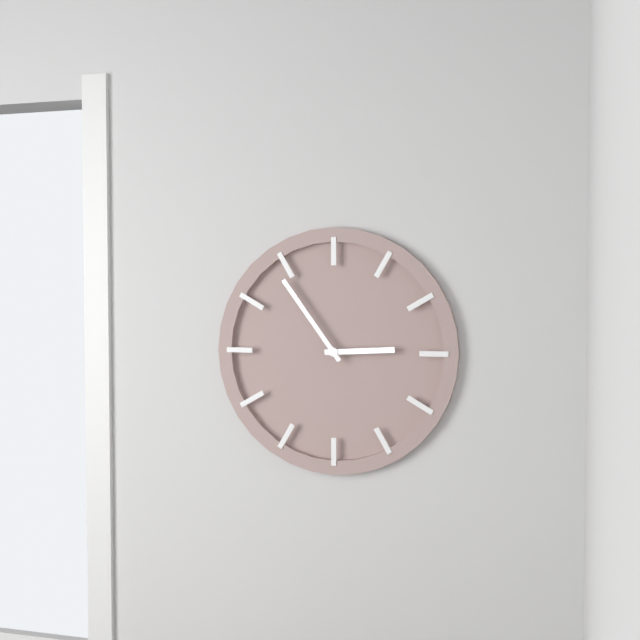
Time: 2h54
